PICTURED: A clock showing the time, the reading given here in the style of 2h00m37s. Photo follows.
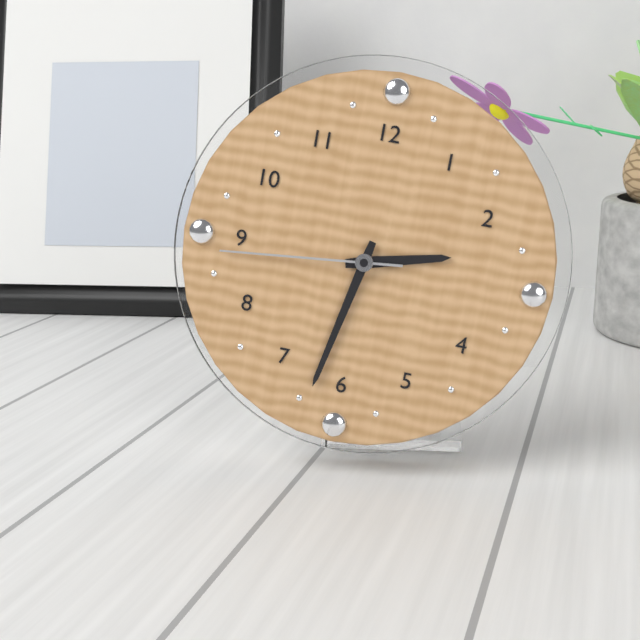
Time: 2h32m44s
